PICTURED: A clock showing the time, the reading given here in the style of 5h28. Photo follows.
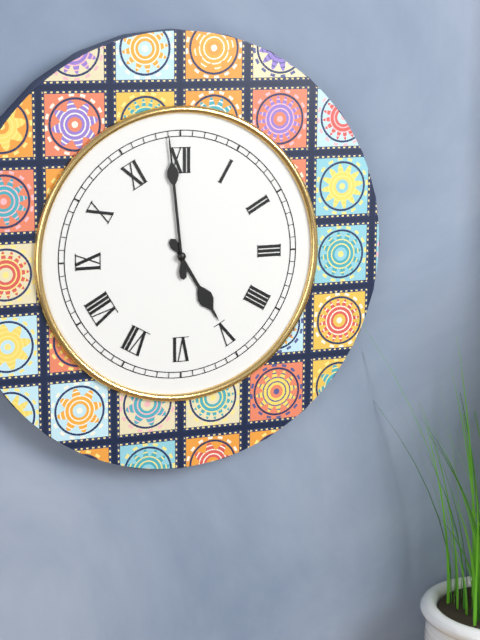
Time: 4h59
